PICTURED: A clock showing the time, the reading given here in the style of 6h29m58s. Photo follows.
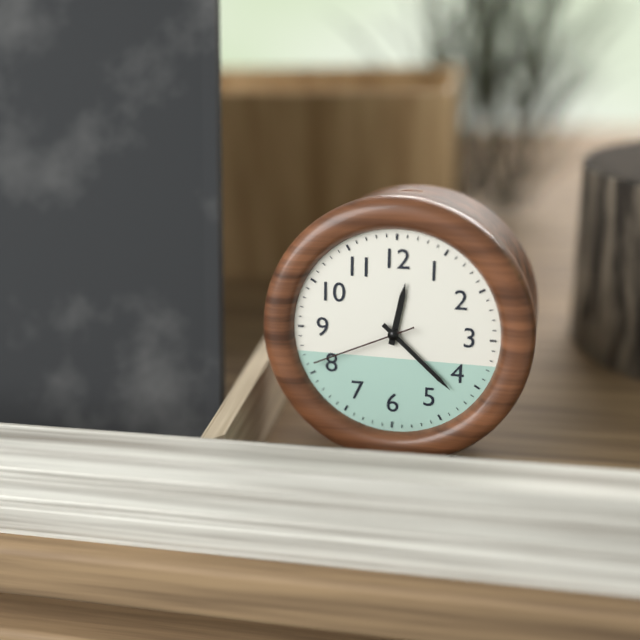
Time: 12h22m41s
